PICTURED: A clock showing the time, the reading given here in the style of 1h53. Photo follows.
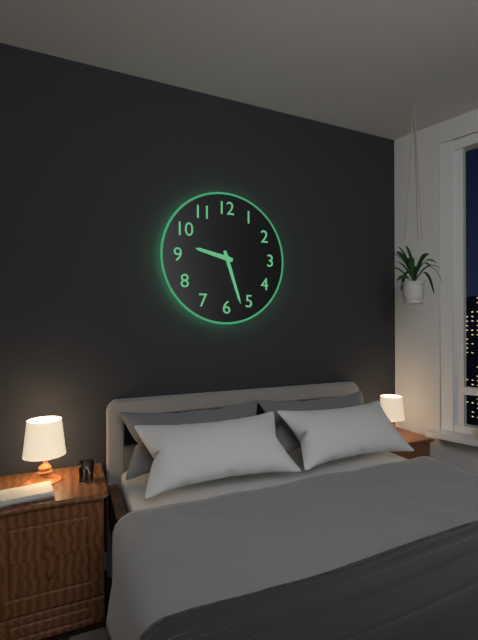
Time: 9h27
